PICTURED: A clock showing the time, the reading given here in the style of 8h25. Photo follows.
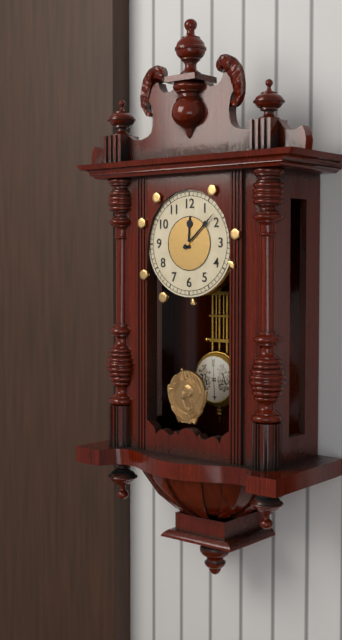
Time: 12h08
